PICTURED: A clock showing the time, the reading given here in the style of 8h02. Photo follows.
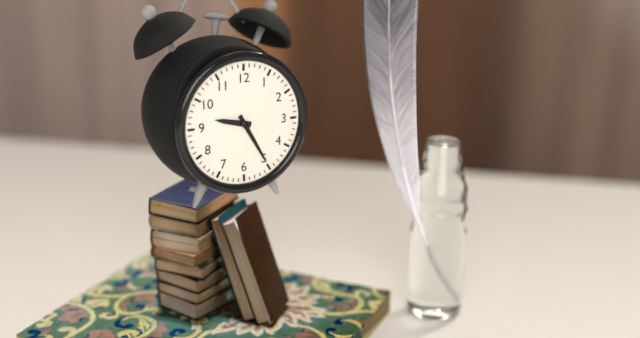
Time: 9h25
